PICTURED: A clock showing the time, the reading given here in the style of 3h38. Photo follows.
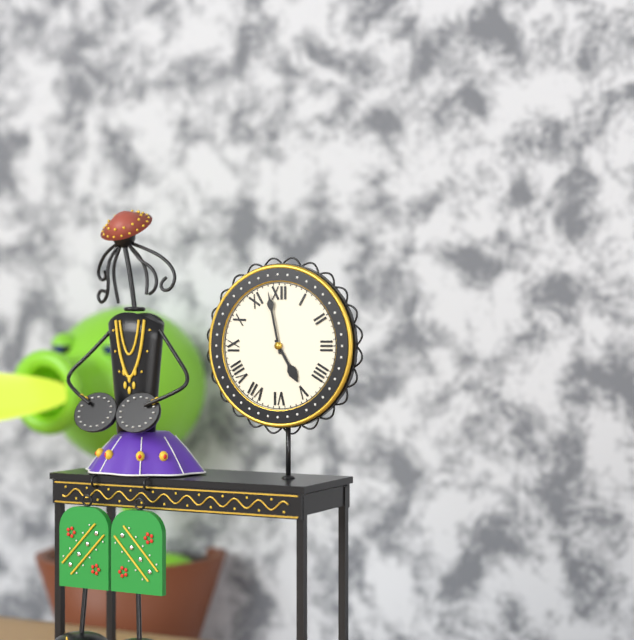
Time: 4h58
